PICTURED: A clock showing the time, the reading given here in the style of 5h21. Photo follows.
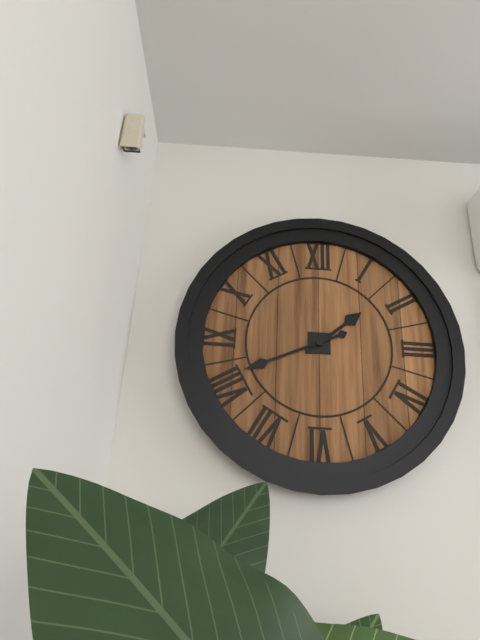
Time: 1h41
